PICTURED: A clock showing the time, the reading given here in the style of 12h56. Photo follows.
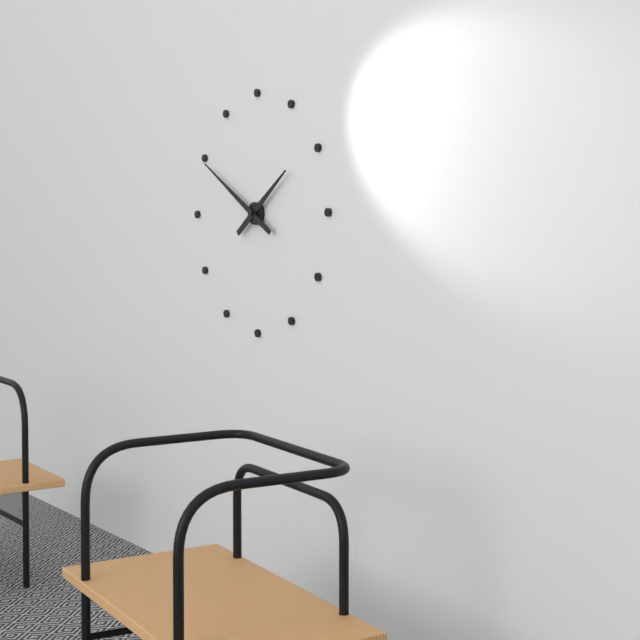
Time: 1h50
